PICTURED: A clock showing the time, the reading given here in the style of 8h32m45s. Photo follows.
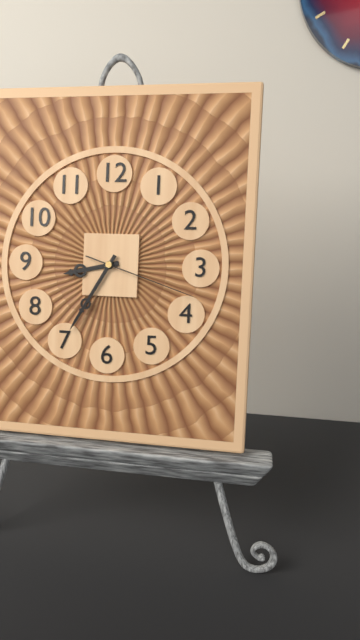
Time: 8h35m18s
